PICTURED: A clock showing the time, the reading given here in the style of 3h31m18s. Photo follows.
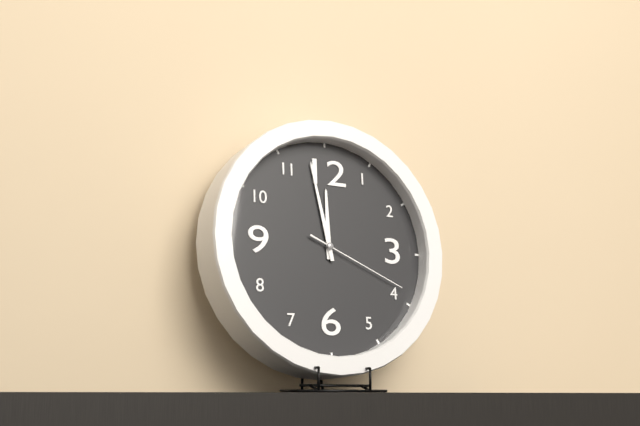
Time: 11h58m19s
